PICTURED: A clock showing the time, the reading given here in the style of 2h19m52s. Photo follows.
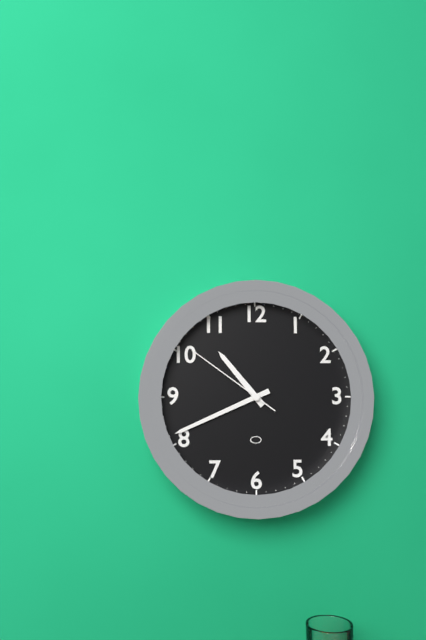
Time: 10h41m51s
